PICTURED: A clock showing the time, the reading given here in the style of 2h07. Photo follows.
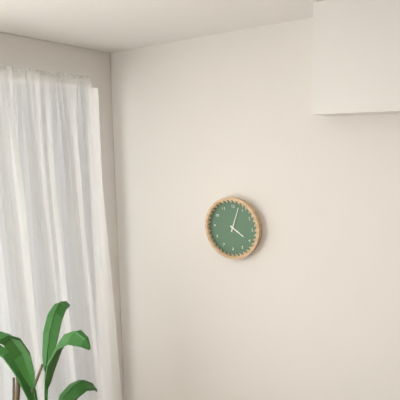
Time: 4h03
